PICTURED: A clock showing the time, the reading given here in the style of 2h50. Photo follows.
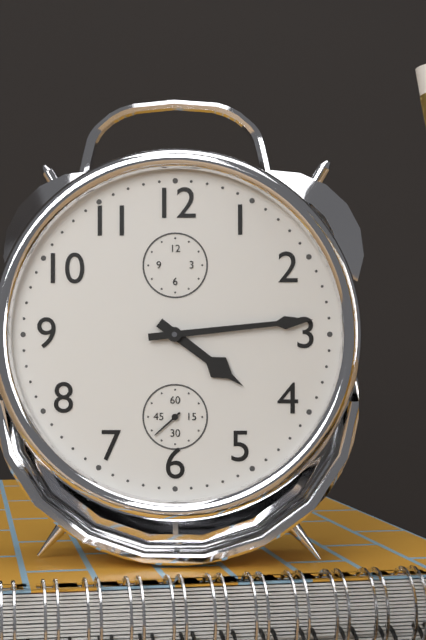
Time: 4h14
